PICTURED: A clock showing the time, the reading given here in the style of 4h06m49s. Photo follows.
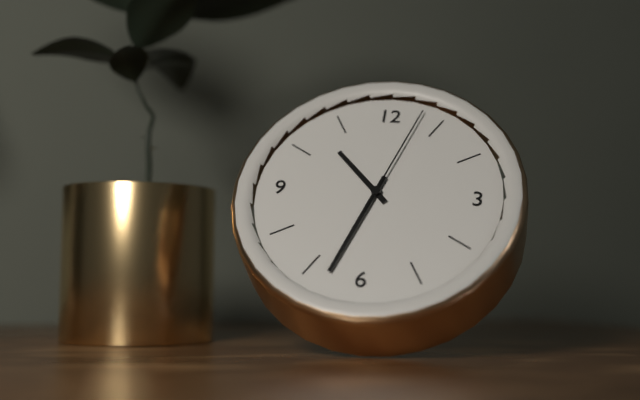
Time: 10h33m03s
